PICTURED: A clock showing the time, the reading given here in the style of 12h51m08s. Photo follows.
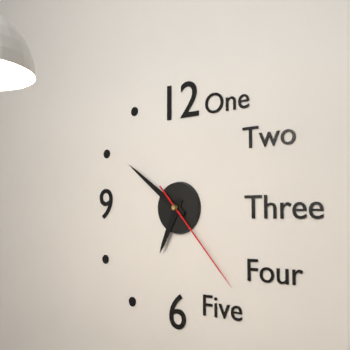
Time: 6h51m23s
